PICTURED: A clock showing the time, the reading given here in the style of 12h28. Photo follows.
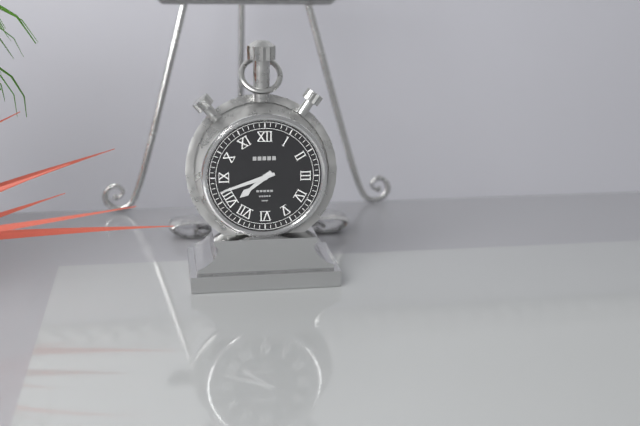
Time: 7h42
